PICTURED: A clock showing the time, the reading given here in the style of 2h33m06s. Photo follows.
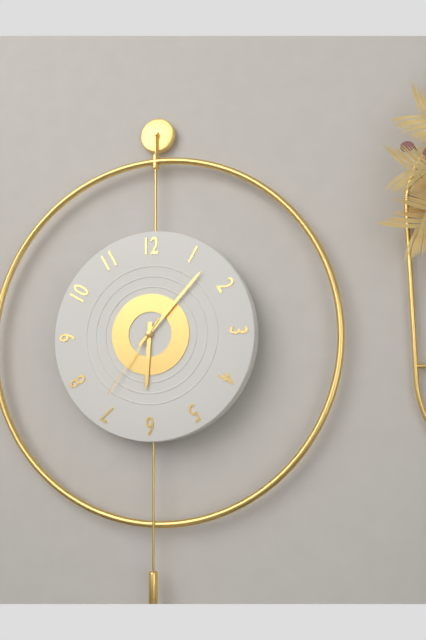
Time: 6h07m36s
